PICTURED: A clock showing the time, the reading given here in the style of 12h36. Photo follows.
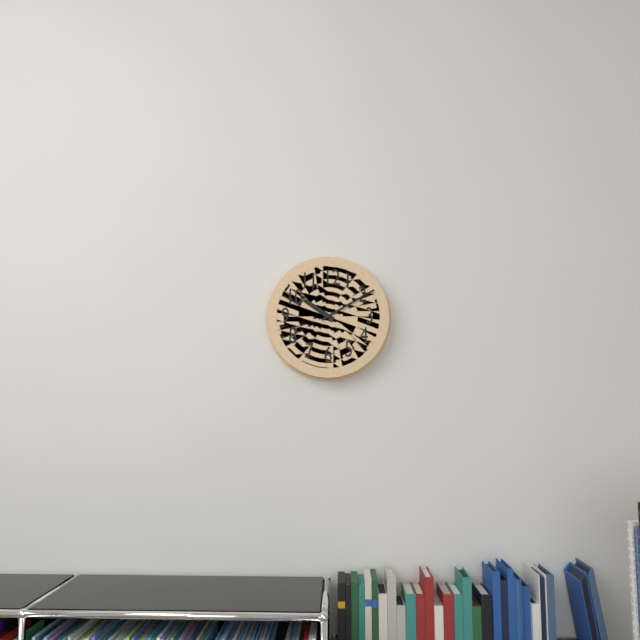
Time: 10h10
